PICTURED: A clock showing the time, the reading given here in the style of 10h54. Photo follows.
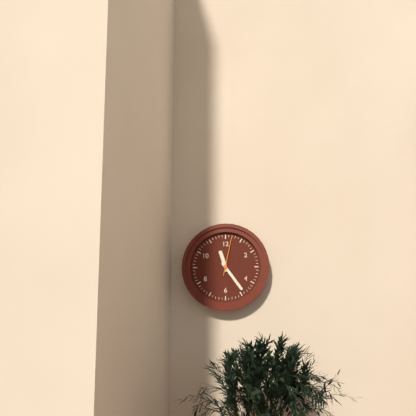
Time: 11h24
